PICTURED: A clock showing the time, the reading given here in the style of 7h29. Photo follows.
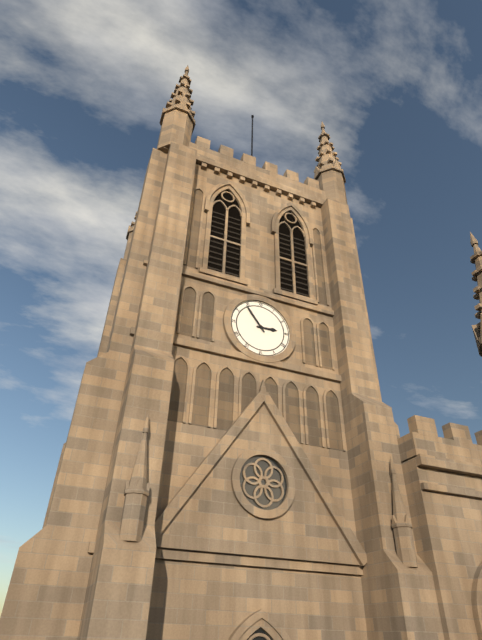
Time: 2h54
